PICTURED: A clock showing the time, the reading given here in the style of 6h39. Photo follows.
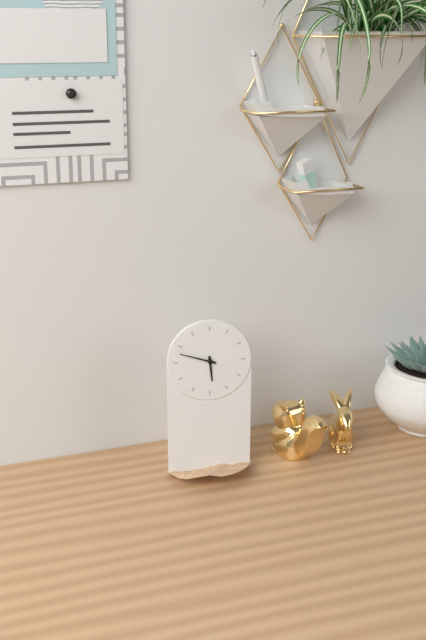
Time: 5h48
